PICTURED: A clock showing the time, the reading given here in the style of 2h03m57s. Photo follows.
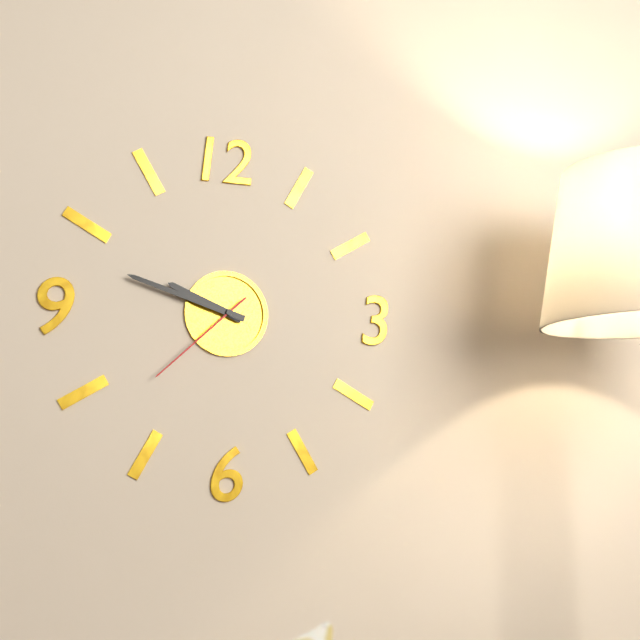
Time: 9h48m38s
